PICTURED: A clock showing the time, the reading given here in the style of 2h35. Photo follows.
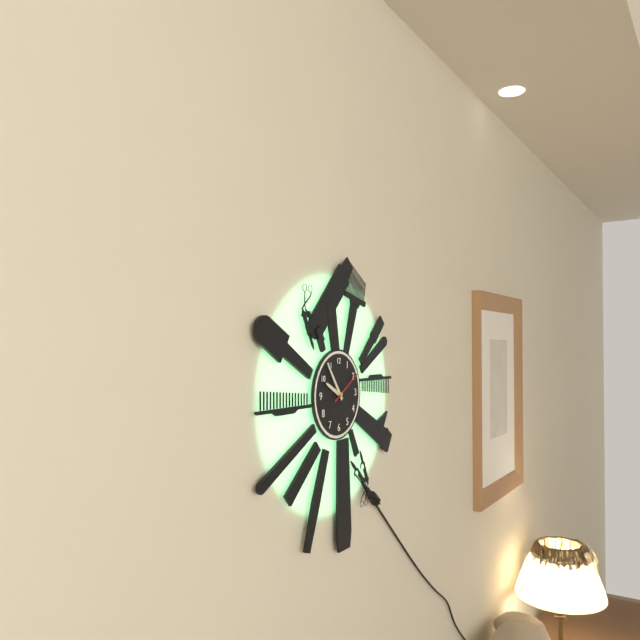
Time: 9h54
